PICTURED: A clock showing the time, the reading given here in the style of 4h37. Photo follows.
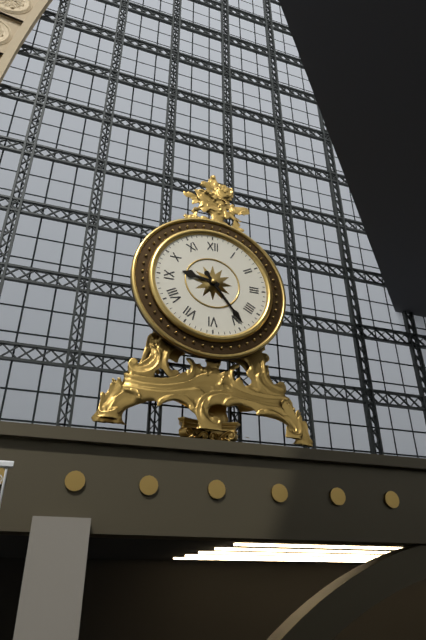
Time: 9h24
